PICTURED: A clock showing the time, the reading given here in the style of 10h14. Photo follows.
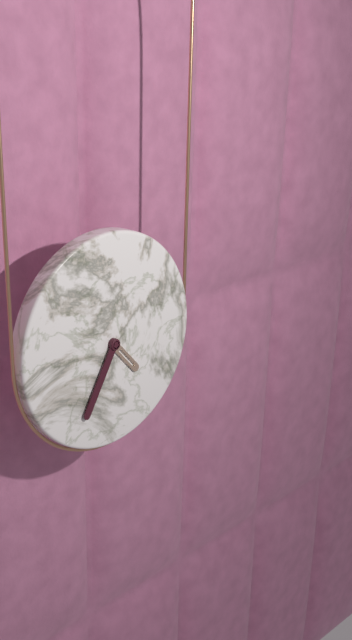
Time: 4h35
